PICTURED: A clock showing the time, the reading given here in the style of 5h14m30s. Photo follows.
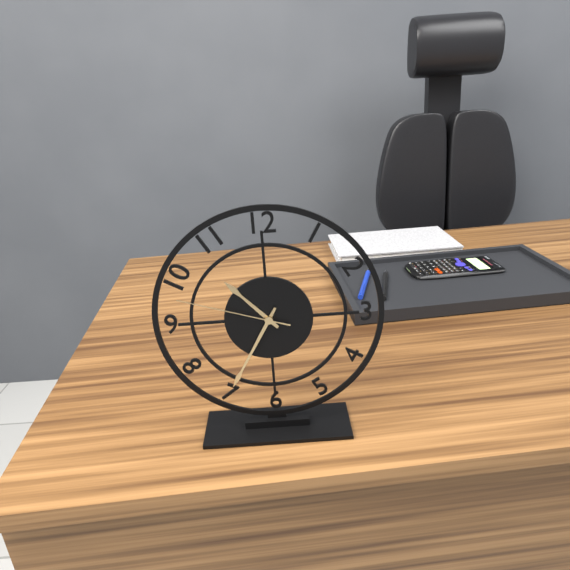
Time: 10h35m48s
